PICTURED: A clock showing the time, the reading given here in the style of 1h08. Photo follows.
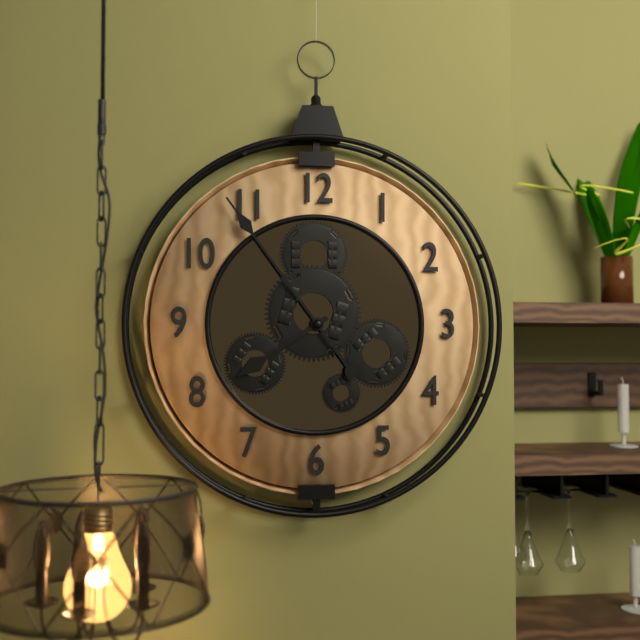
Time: 7h54
